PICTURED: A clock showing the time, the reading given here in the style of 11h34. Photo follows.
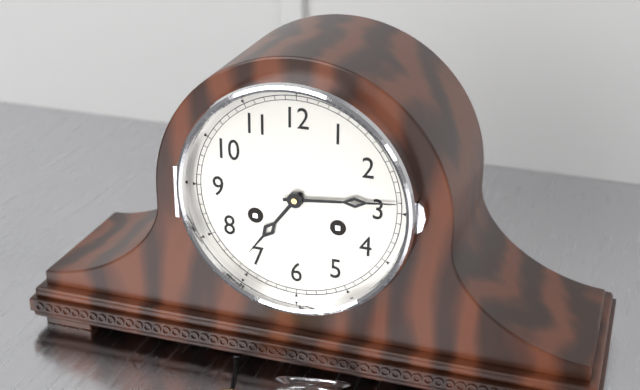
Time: 7h14
